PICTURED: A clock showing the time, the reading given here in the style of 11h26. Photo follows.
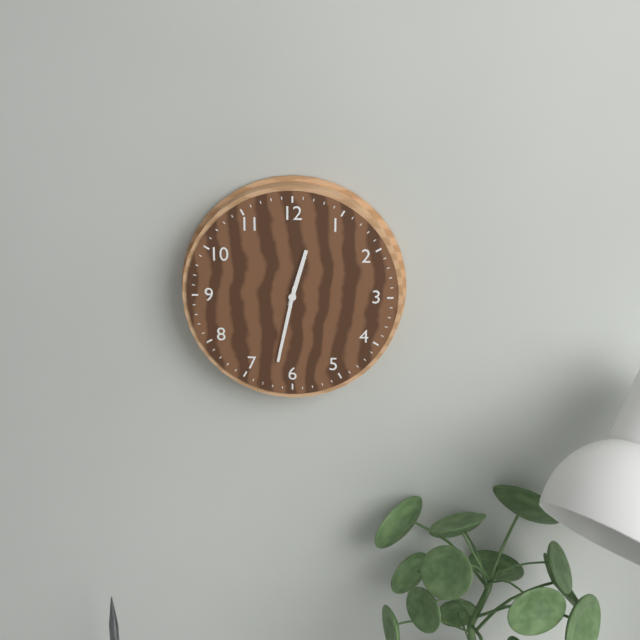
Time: 12h32
